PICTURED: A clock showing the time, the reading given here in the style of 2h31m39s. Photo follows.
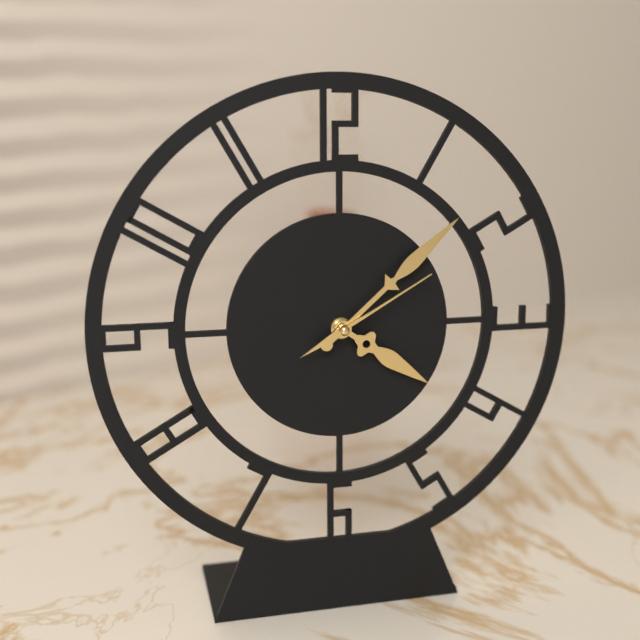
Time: 4h08m10s
